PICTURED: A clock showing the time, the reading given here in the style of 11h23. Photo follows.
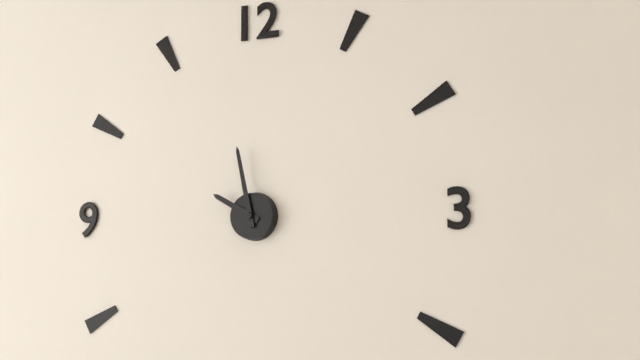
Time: 9h58
